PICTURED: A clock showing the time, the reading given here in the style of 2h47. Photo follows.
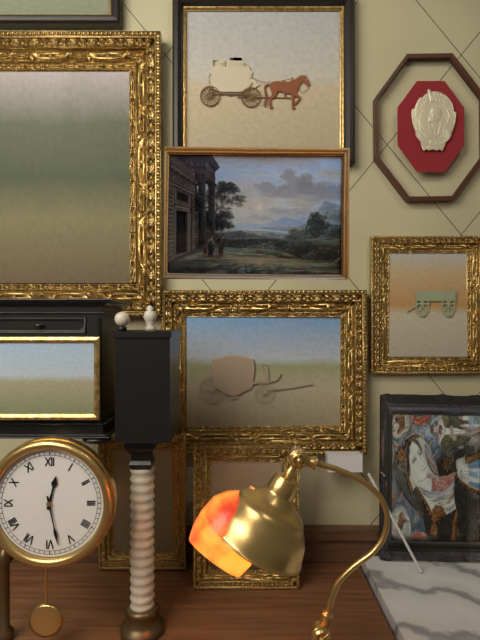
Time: 12h28
